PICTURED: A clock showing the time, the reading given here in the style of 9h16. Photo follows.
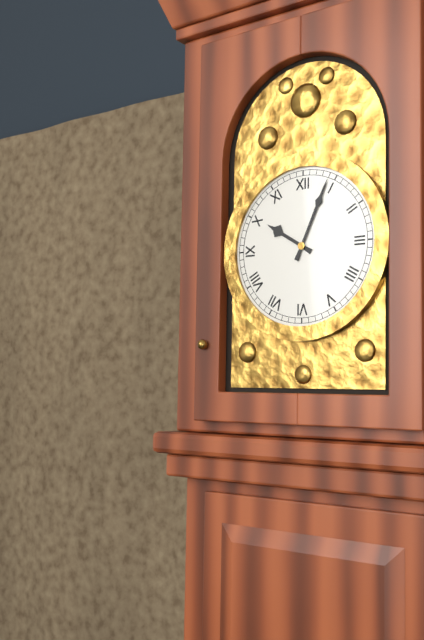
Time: 10h04
